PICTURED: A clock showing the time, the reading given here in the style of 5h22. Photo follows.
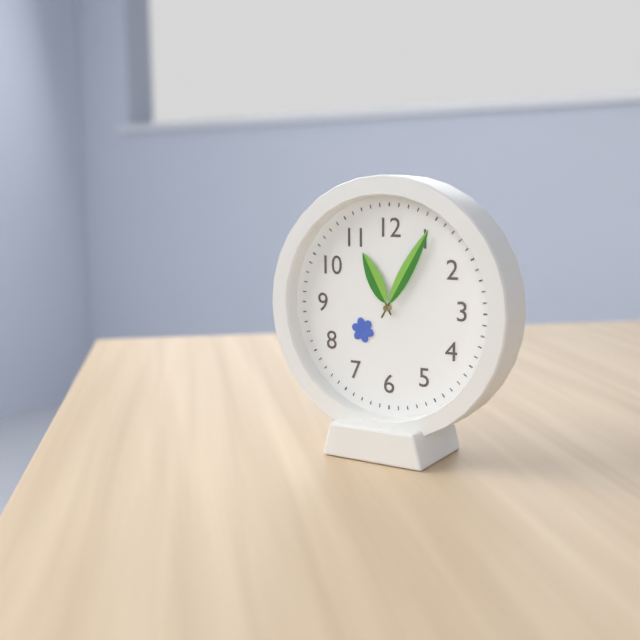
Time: 11h05
